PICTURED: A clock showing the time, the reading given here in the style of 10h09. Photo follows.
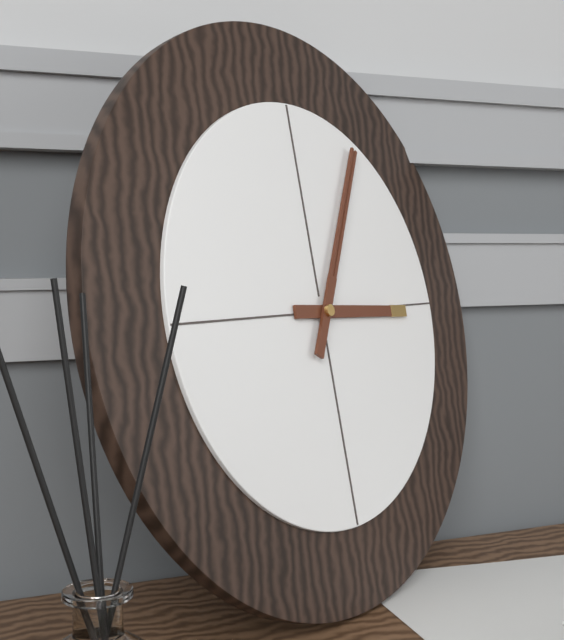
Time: 3h05
